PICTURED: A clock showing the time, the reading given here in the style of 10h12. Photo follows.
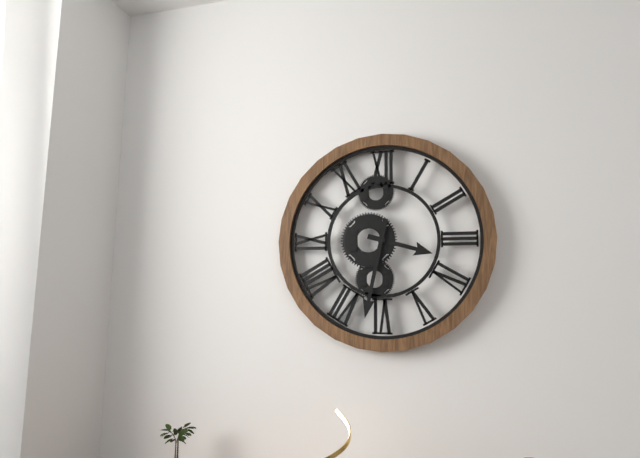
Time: 3h32
